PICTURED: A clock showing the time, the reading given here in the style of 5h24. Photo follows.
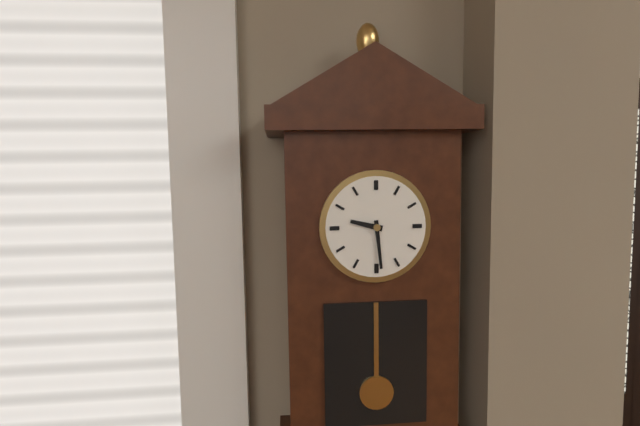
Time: 9h29
